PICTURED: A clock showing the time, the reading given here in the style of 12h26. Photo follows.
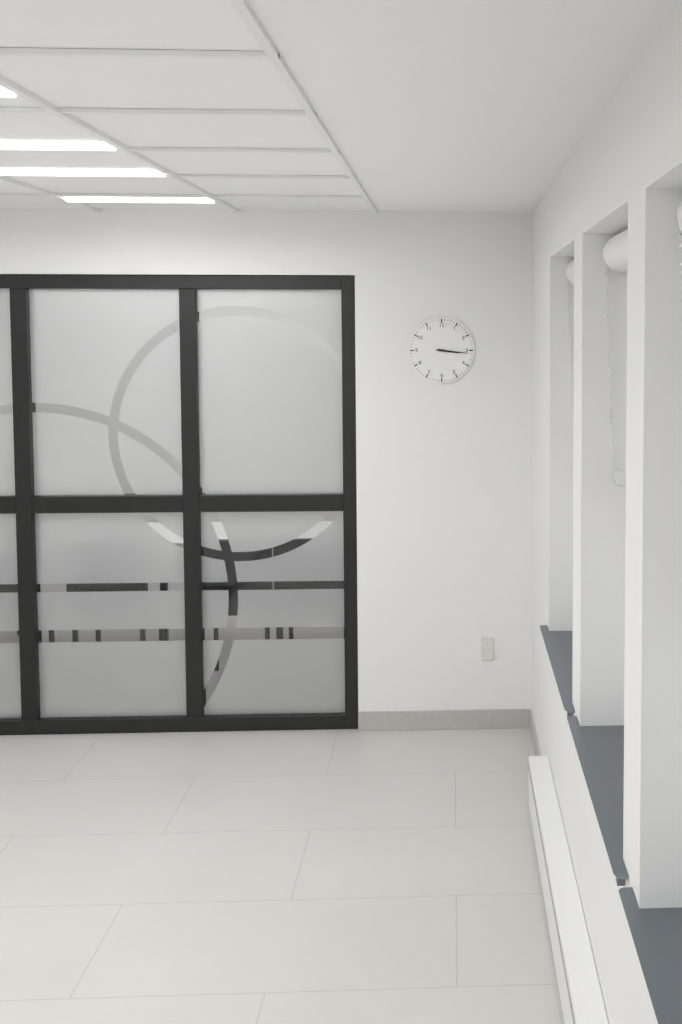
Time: 3h16
